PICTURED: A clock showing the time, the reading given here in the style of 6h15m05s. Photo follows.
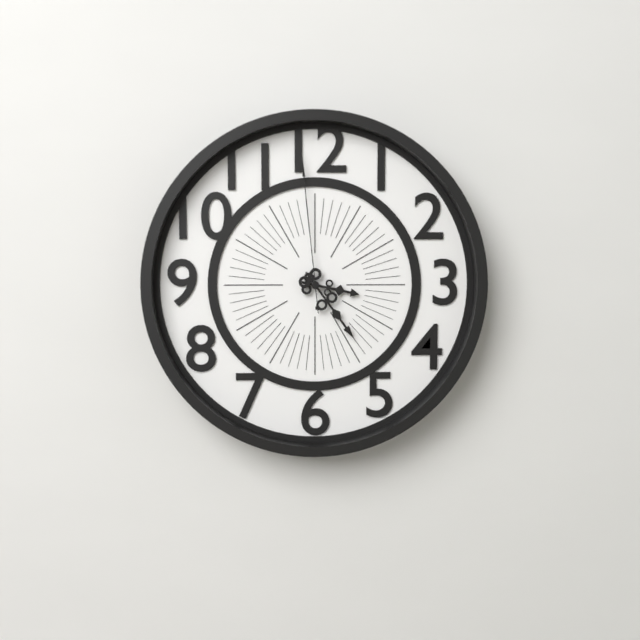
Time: 3h24m59s
